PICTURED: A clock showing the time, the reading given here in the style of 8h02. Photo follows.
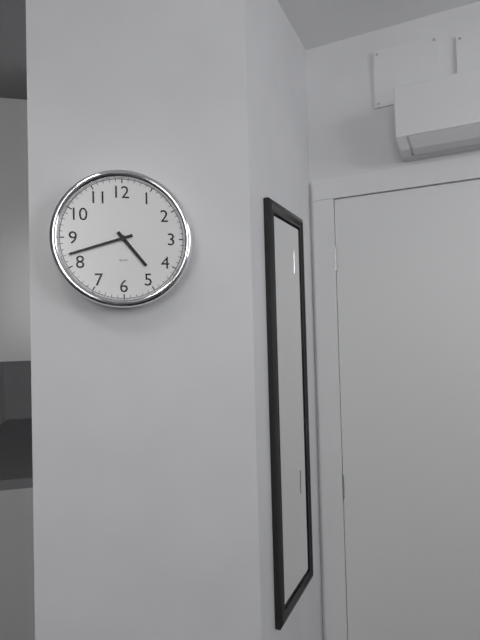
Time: 4h42
